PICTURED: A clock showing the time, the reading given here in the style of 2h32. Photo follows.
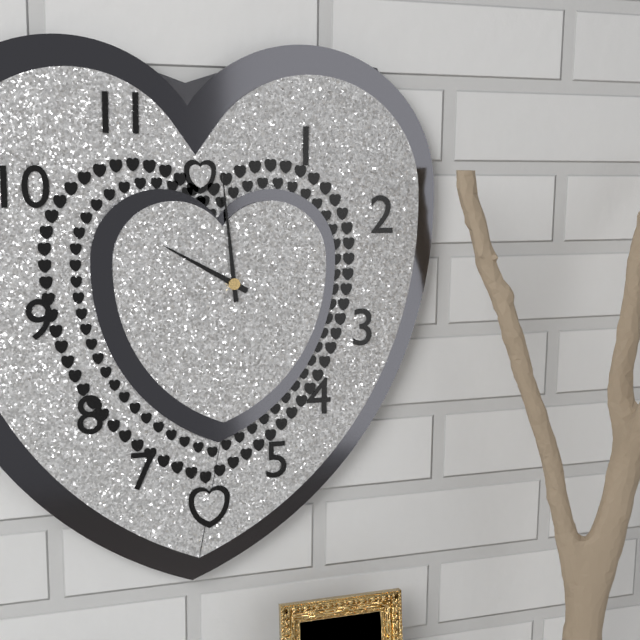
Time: 9h59
